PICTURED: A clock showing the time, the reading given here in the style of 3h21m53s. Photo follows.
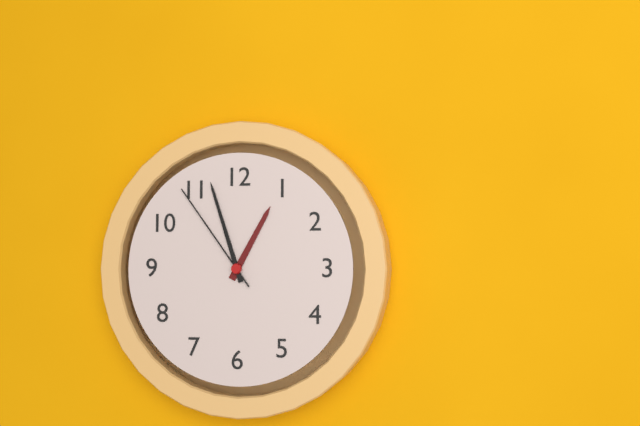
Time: 12h57m54s
